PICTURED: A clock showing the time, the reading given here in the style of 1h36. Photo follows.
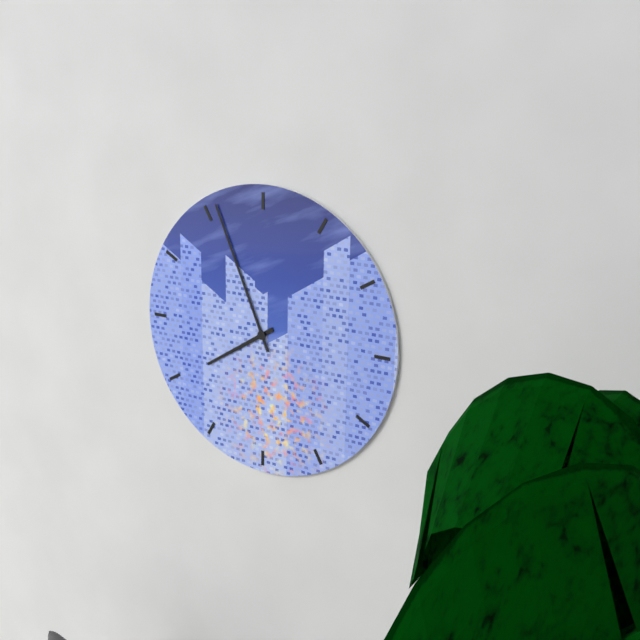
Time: 7h56
